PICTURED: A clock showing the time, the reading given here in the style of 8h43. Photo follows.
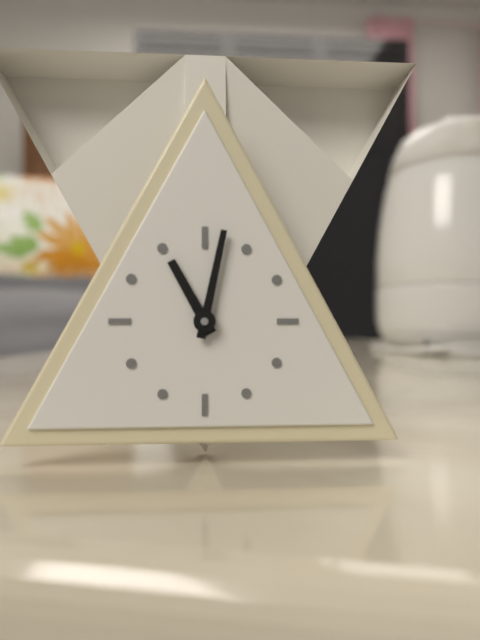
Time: 11h02
